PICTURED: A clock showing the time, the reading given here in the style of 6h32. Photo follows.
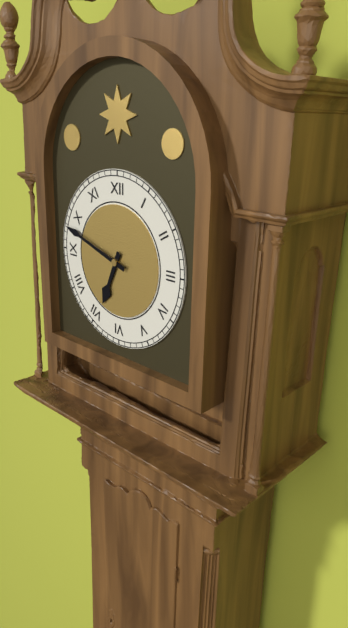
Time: 6h48
